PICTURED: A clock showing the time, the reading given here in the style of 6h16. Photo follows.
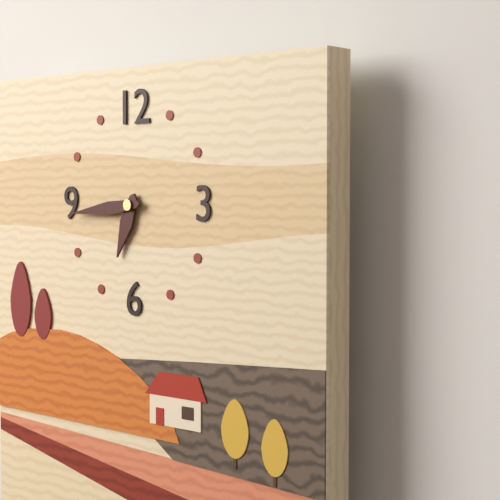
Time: 6h44
